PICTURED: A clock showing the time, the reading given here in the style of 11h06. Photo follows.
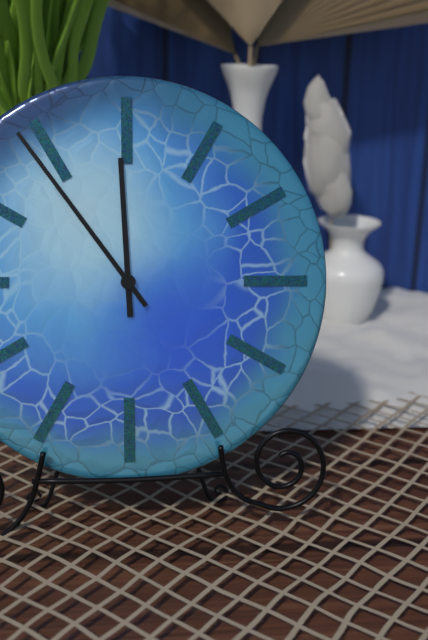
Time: 11h54
